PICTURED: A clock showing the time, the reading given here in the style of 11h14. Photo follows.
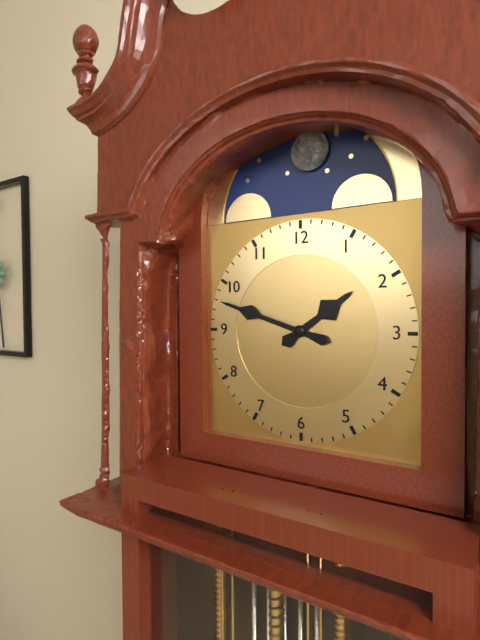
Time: 1h48
